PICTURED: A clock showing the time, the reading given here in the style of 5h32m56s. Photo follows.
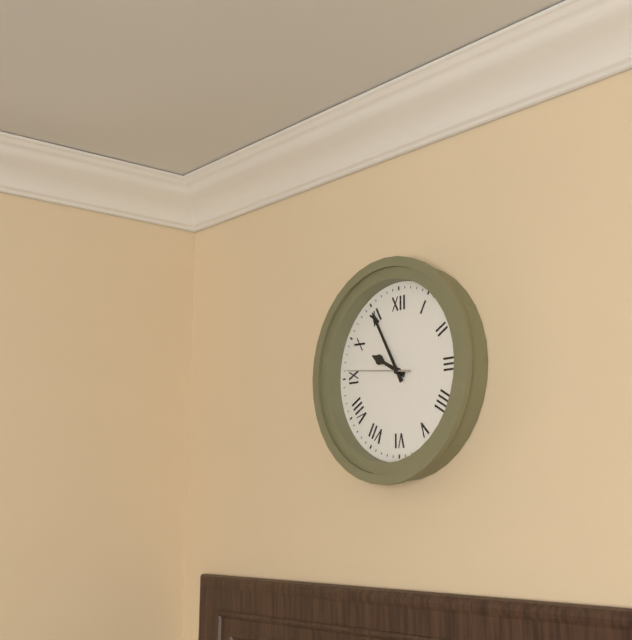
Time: 9h55m46s
